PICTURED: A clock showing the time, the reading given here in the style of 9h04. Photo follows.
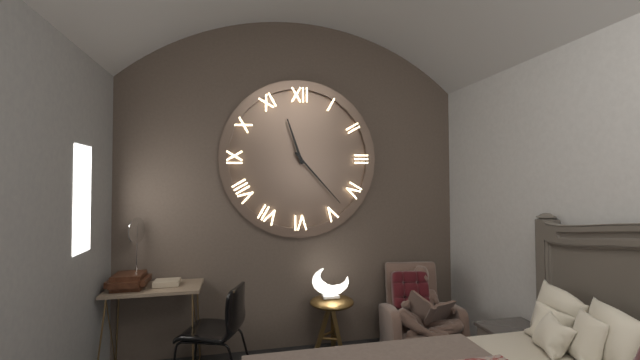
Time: 11h23
